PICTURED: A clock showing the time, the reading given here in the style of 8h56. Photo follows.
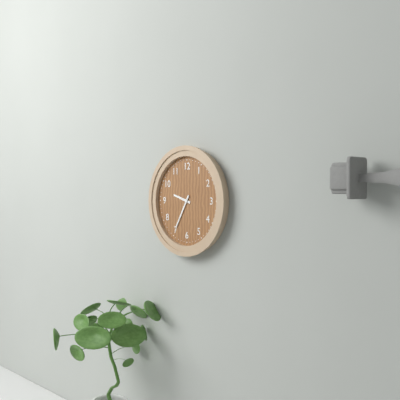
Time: 9h35
